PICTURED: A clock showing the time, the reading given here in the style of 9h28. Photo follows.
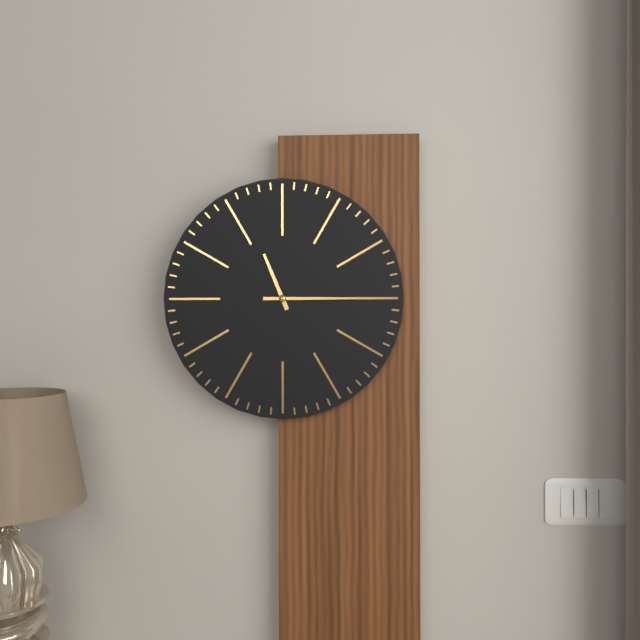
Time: 11h15
